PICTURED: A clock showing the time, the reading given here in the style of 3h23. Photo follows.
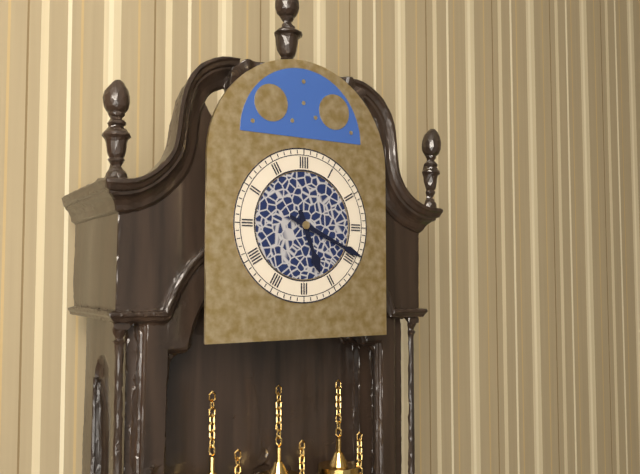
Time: 5h19
